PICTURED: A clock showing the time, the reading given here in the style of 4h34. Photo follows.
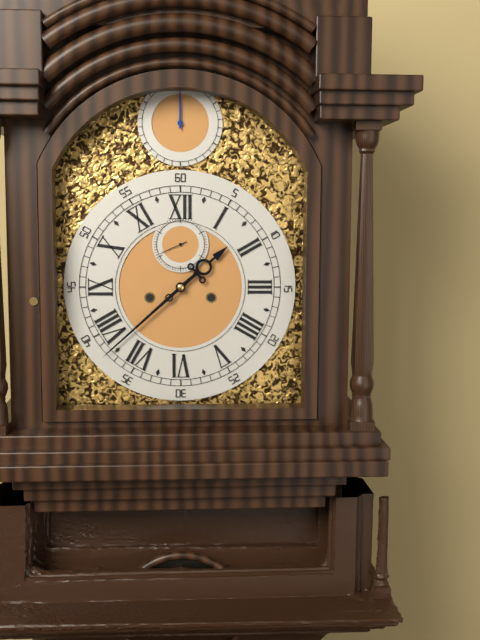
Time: 1h38
